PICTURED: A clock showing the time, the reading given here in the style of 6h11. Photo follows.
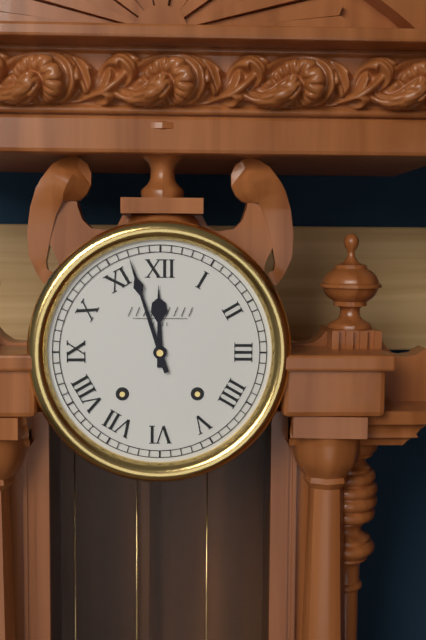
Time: 11h57
